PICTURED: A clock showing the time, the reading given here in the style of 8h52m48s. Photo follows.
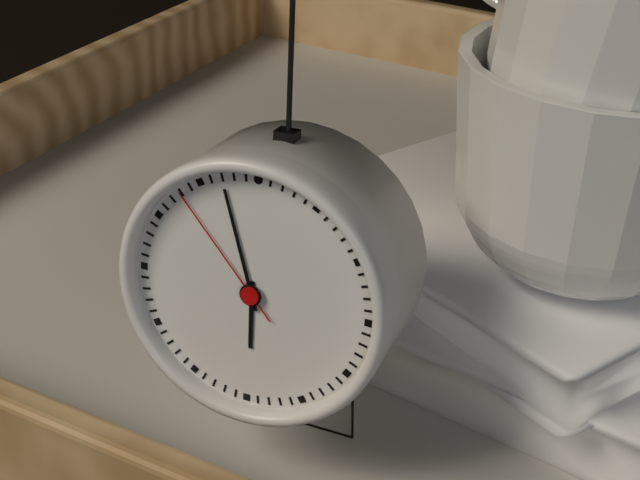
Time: 5h57m53s
